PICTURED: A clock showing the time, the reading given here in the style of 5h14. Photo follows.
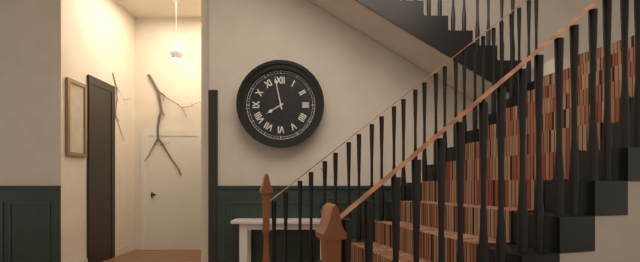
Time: 7h58
